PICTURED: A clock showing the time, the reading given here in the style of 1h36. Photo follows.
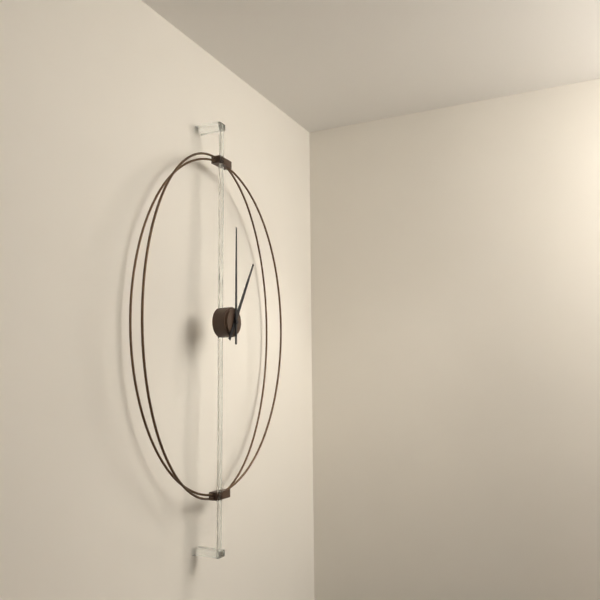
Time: 1h00
